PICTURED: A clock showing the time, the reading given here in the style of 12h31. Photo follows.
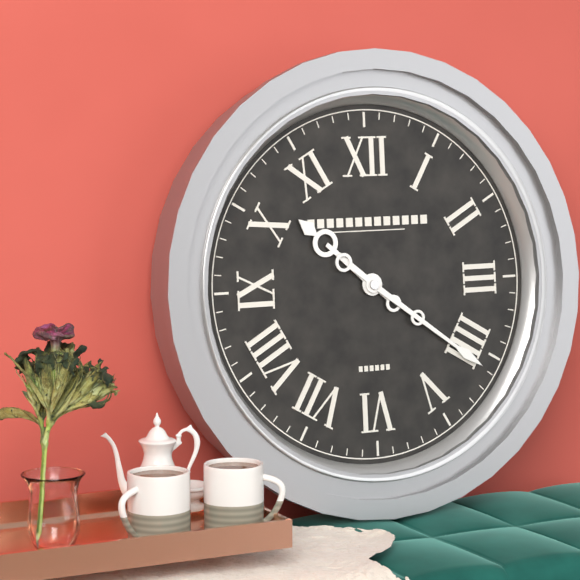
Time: 10h21
